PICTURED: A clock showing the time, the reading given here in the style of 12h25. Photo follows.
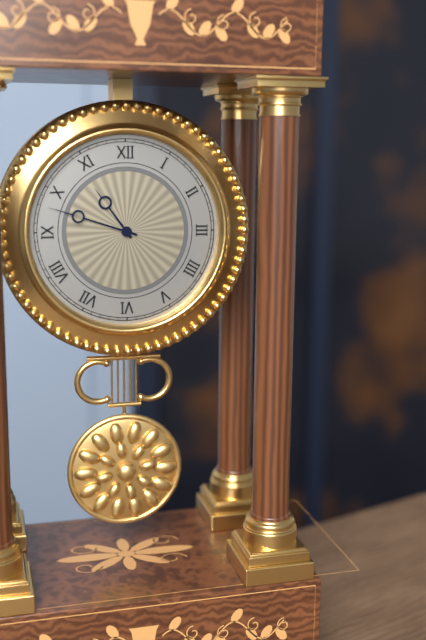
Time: 10h48
